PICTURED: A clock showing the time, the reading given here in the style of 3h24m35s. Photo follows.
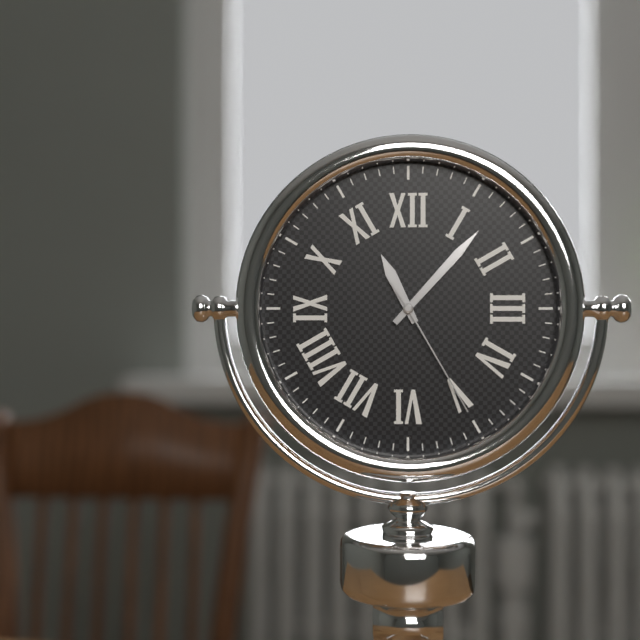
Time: 11h07m25s
